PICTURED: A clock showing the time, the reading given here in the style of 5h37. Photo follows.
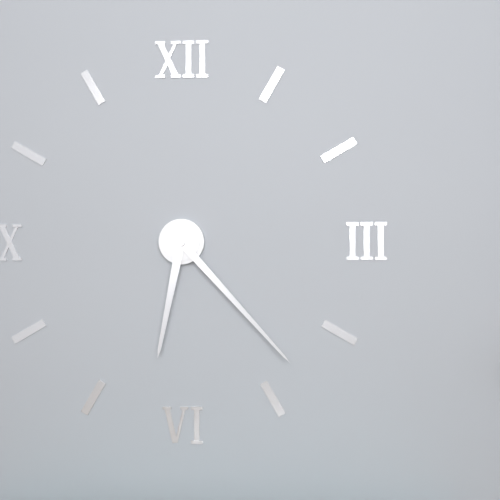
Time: 6h23
